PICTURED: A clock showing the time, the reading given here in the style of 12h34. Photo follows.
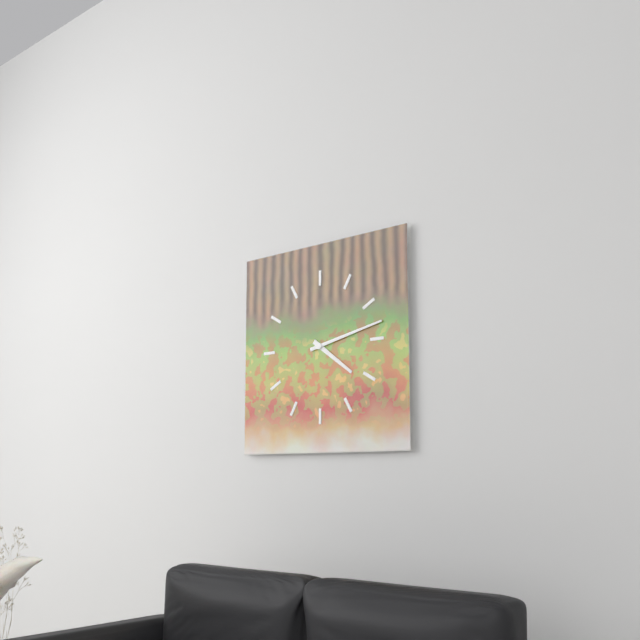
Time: 4h13
